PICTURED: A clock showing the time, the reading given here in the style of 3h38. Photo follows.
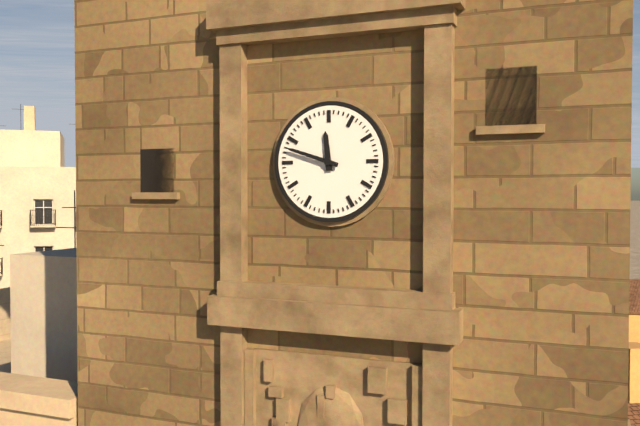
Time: 11h48
